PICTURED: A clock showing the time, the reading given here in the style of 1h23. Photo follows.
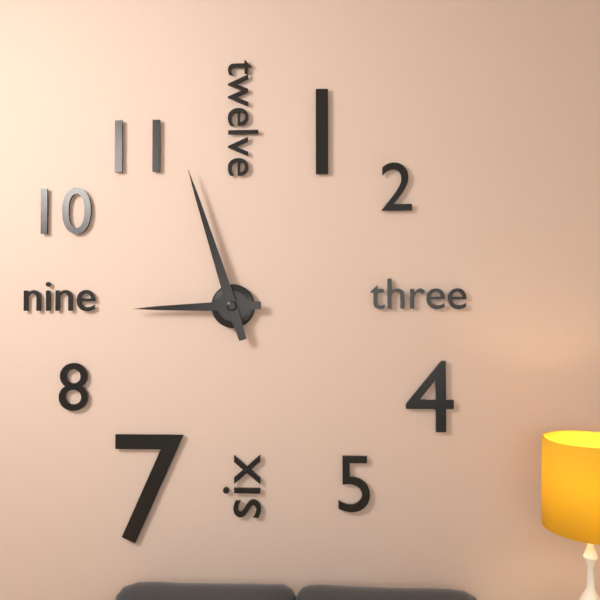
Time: 8h57
